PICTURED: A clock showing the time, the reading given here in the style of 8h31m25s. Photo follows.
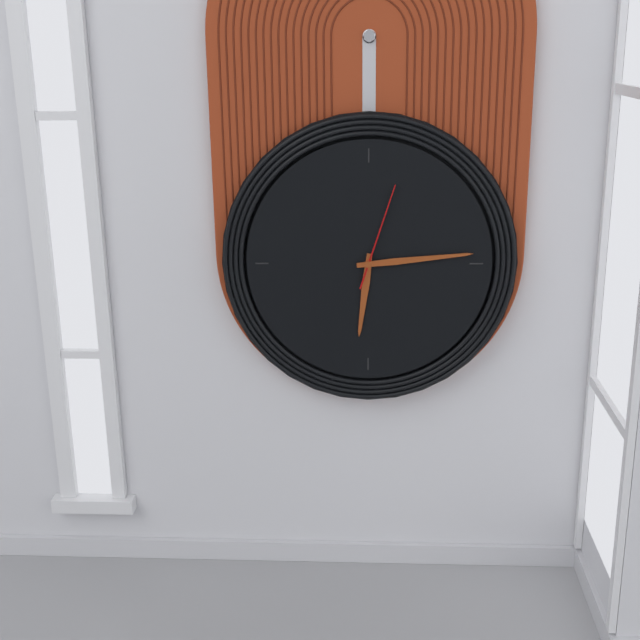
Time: 6h14m03s
